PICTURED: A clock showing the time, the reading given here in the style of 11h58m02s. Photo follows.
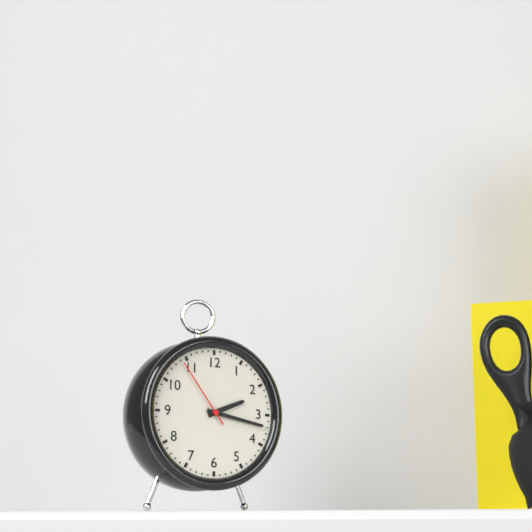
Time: 2h17m54s
